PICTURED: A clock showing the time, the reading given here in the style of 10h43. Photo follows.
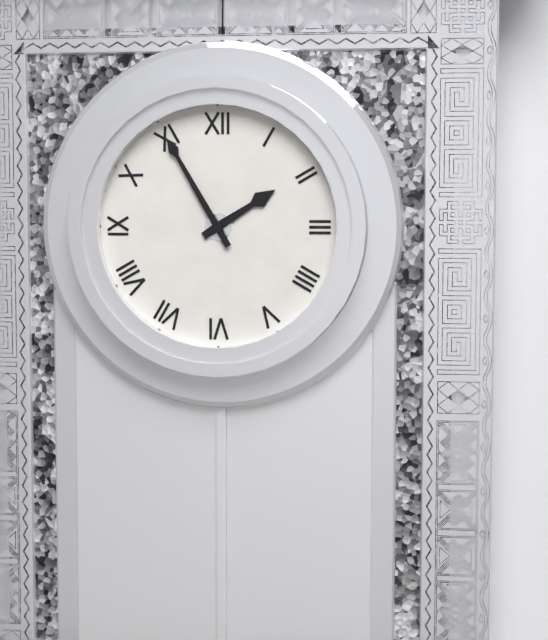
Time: 1h55
